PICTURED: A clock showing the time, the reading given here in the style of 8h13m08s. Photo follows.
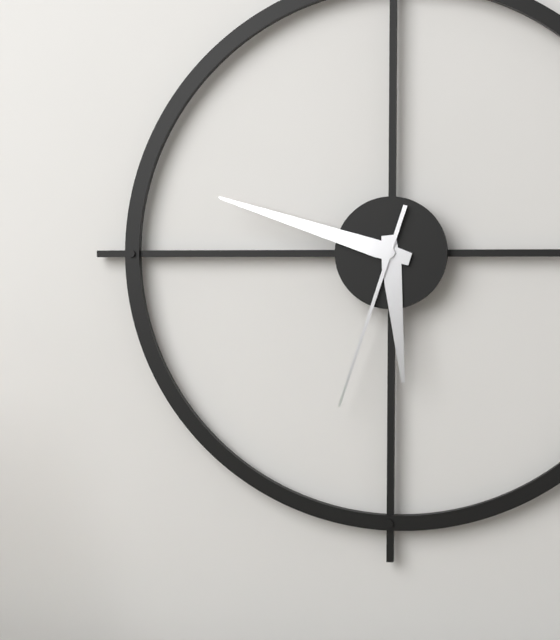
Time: 5h48m33s
